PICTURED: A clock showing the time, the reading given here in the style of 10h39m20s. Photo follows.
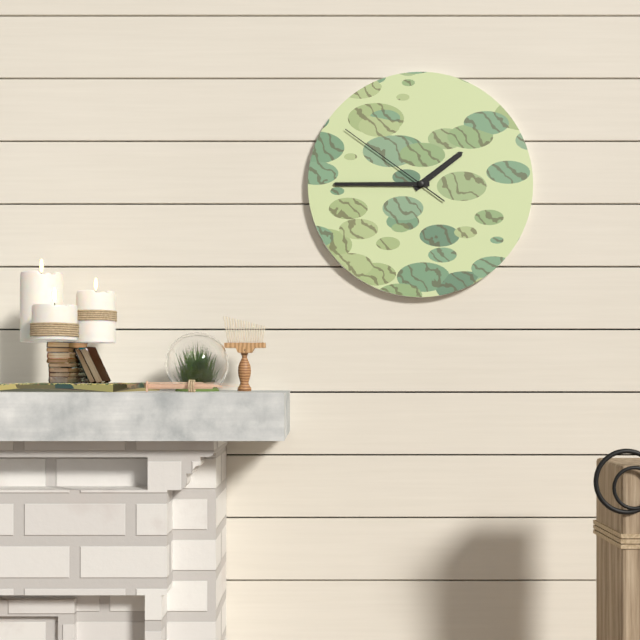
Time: 1h45m51s
